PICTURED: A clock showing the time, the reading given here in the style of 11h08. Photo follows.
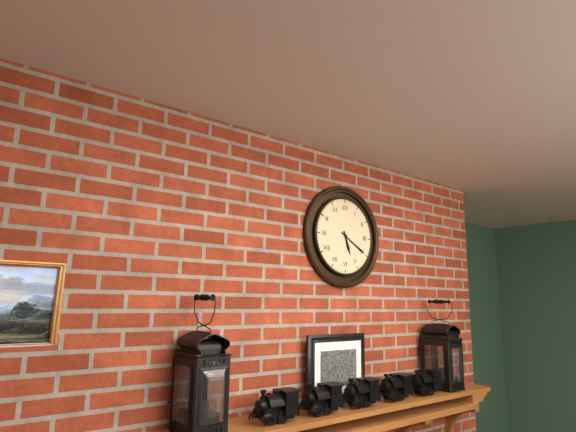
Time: 5h20
